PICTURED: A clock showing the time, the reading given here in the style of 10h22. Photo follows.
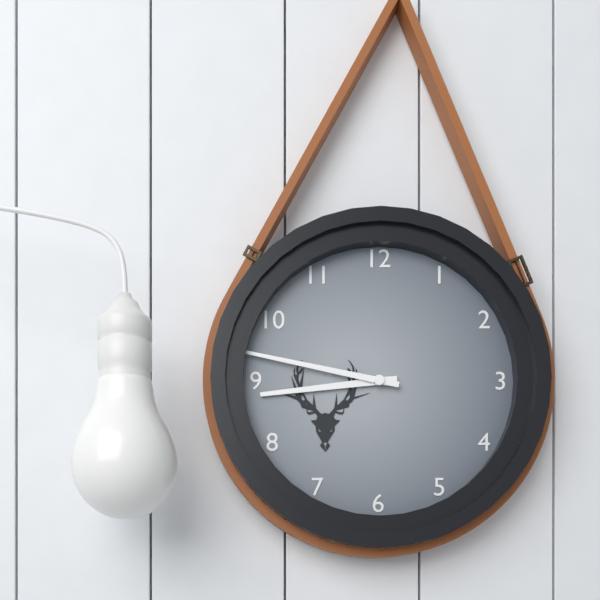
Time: 8h47
